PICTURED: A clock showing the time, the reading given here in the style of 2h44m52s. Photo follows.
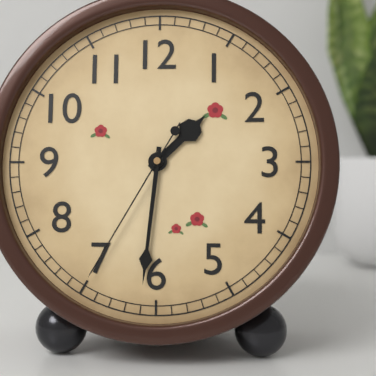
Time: 1h31m35s
